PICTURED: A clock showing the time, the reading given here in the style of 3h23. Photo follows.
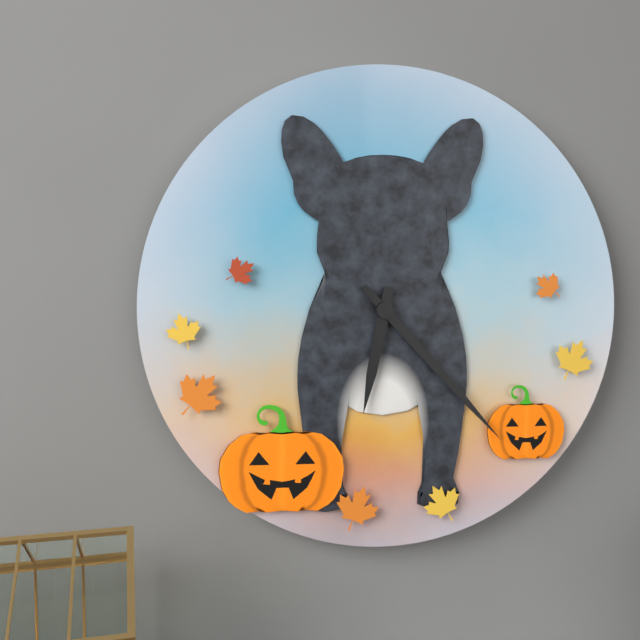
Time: 6h23
